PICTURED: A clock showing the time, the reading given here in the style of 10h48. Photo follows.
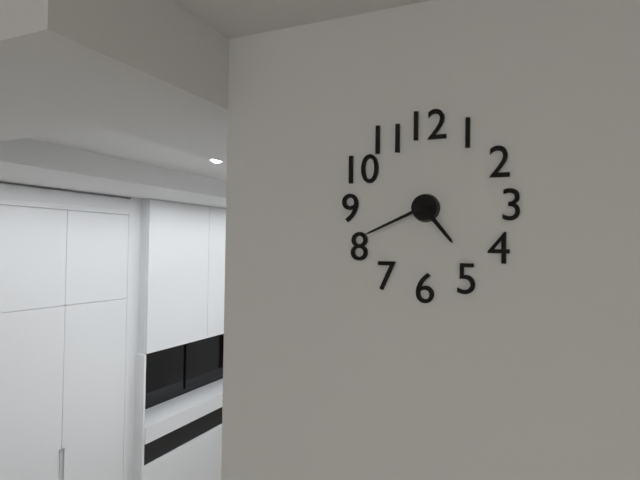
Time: 4h41
